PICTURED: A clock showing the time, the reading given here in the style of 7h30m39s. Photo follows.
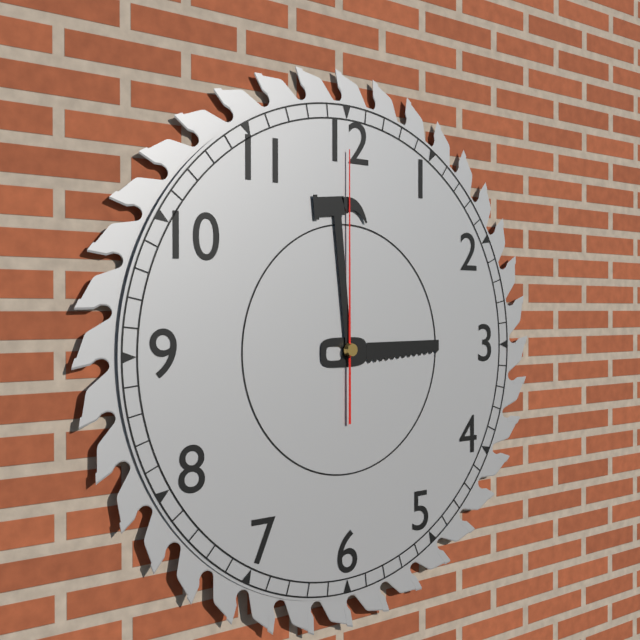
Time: 2h59m00s
